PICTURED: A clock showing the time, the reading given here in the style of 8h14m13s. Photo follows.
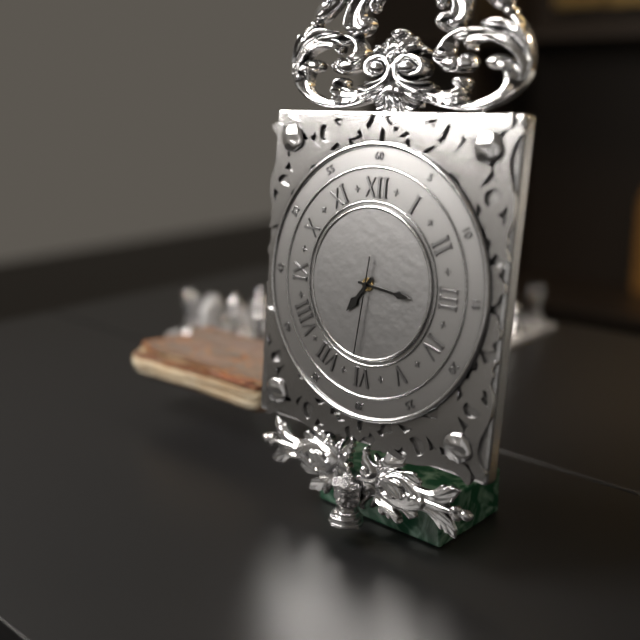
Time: 7h16m31s
